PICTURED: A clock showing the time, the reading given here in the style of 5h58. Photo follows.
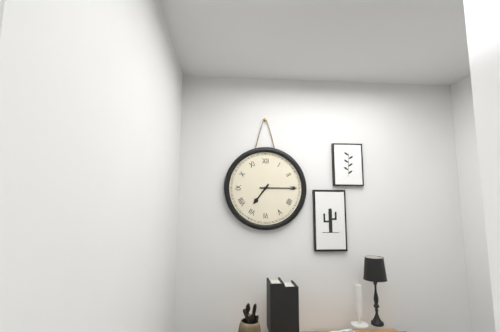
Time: 7h15
